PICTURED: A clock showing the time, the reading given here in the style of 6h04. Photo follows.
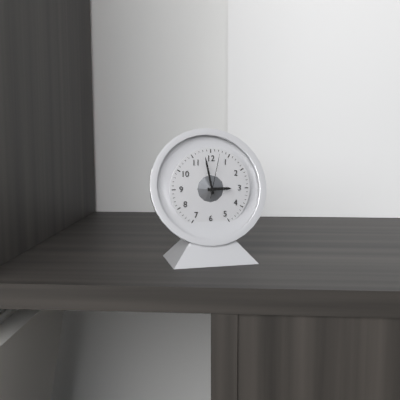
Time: 2h58
